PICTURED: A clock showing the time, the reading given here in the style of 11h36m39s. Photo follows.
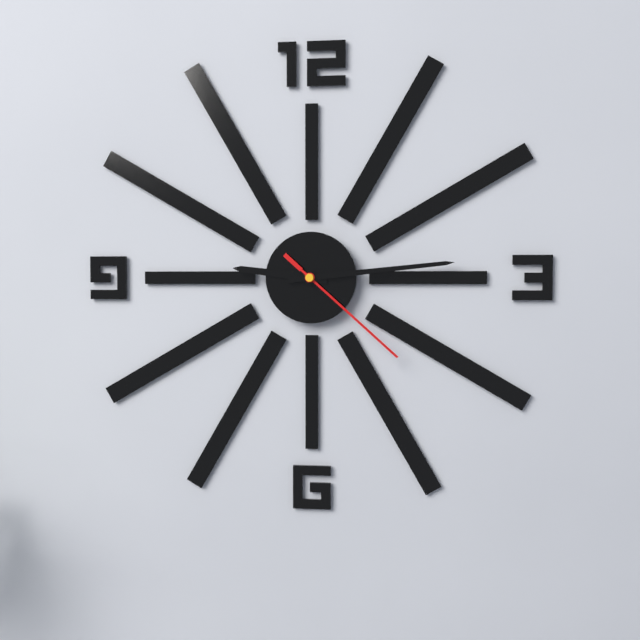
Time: 9h14m22s
